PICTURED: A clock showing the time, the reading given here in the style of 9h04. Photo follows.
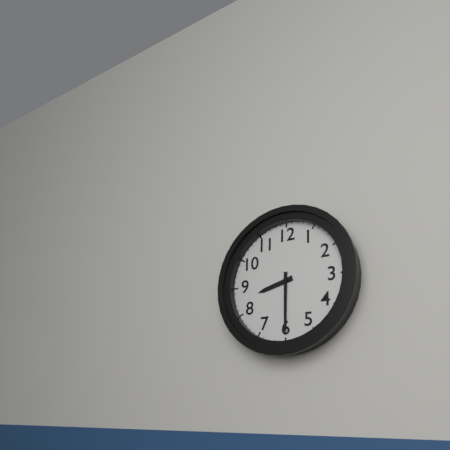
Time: 8h30
